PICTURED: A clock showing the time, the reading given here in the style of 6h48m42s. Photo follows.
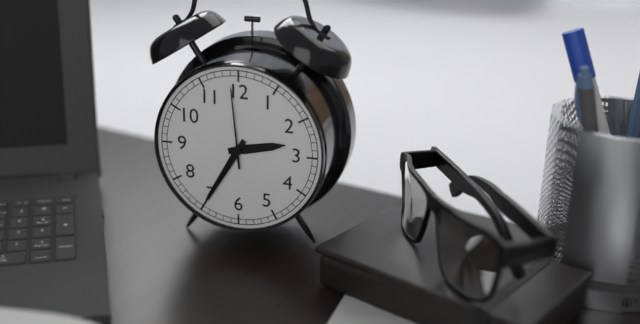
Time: 2h35m59s
